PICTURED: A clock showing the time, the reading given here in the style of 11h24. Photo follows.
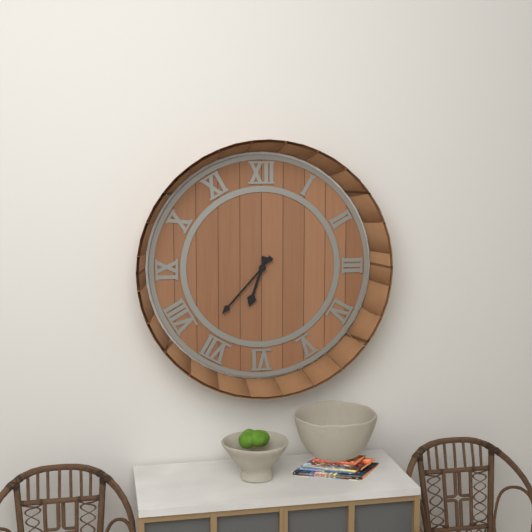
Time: 6h37
